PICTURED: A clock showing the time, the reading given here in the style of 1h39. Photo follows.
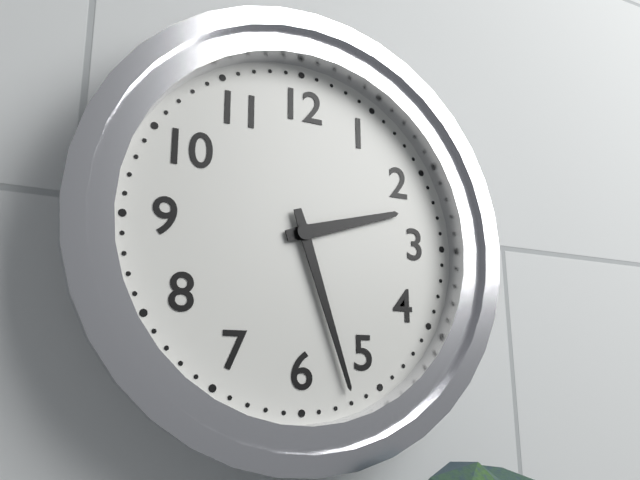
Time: 2h27
